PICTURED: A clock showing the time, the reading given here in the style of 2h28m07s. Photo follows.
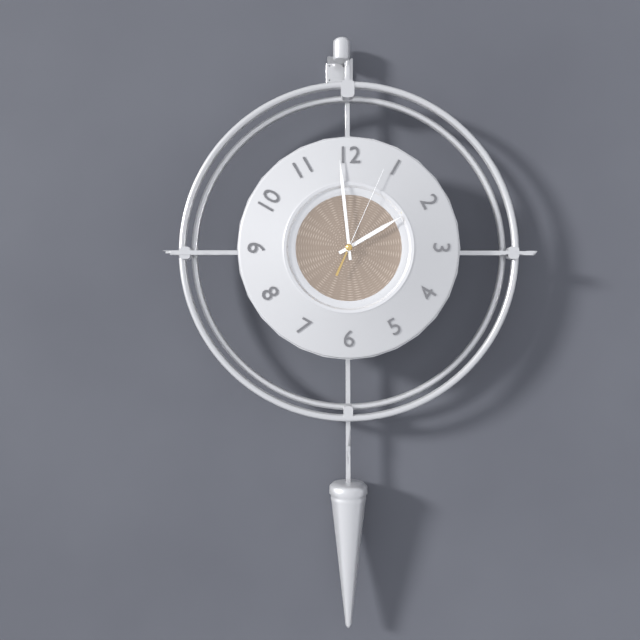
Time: 1h59m04s
